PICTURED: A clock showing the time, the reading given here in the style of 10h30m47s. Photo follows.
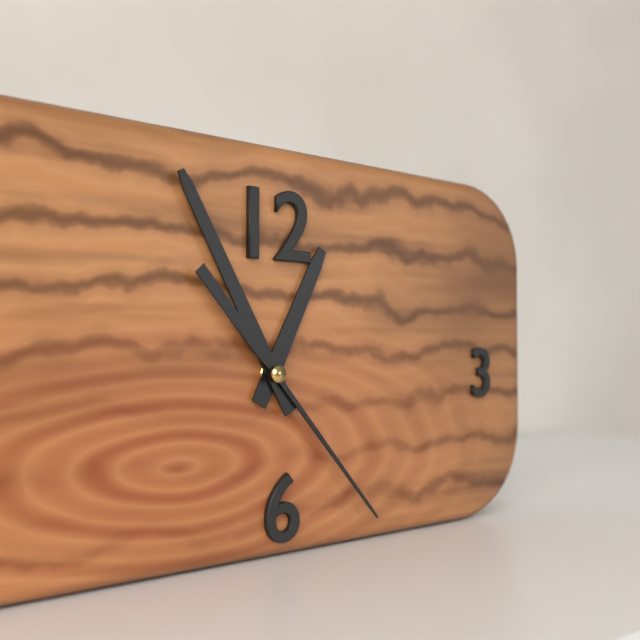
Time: 12h55m23s
